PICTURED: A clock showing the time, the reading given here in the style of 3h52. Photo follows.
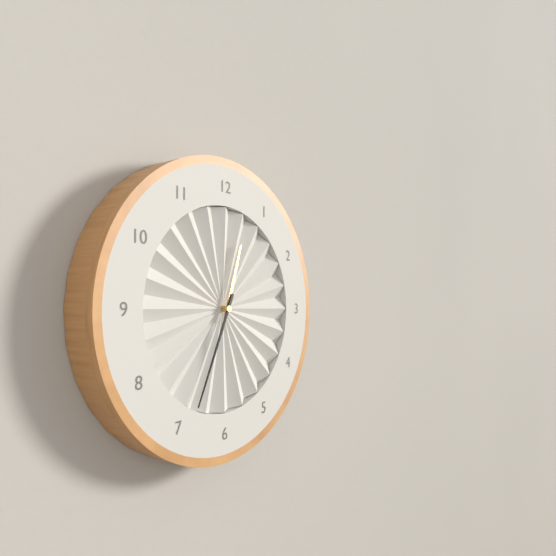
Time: 12h34
